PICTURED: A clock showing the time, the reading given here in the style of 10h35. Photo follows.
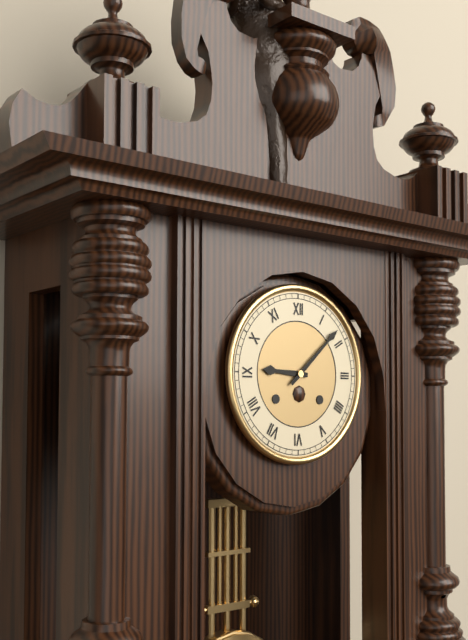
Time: 9h08
